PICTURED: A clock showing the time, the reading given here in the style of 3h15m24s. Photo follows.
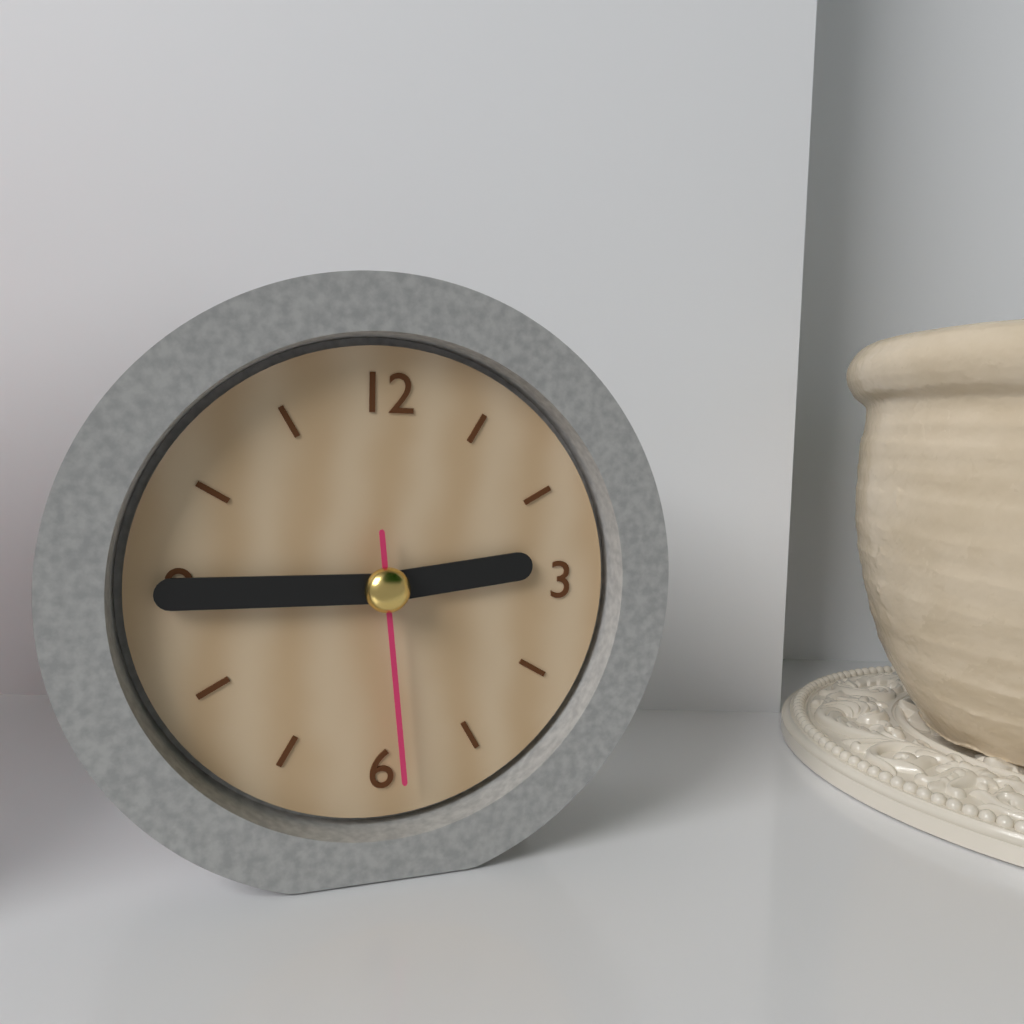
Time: 2h45m29s
